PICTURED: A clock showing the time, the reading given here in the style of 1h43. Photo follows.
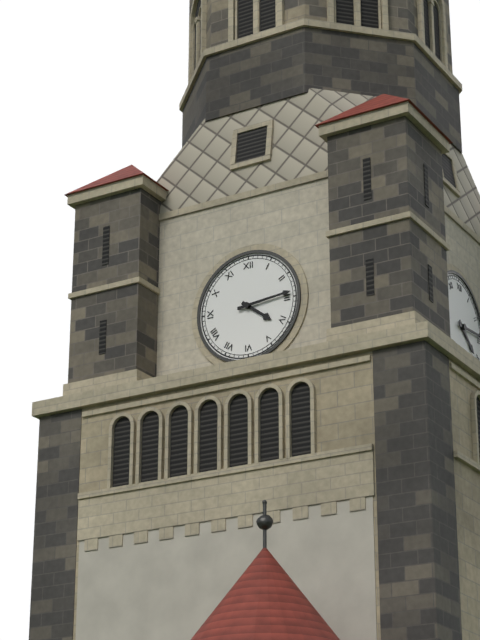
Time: 4h14
